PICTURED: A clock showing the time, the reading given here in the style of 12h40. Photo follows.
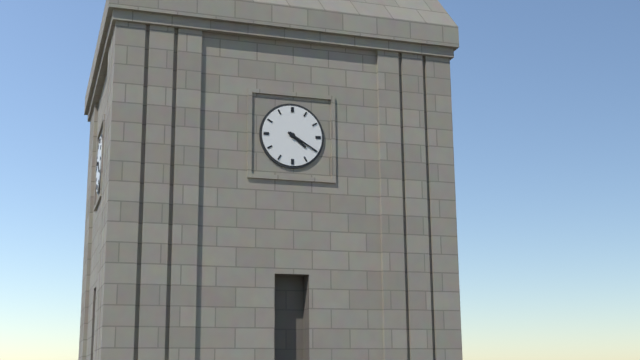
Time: 4h20
